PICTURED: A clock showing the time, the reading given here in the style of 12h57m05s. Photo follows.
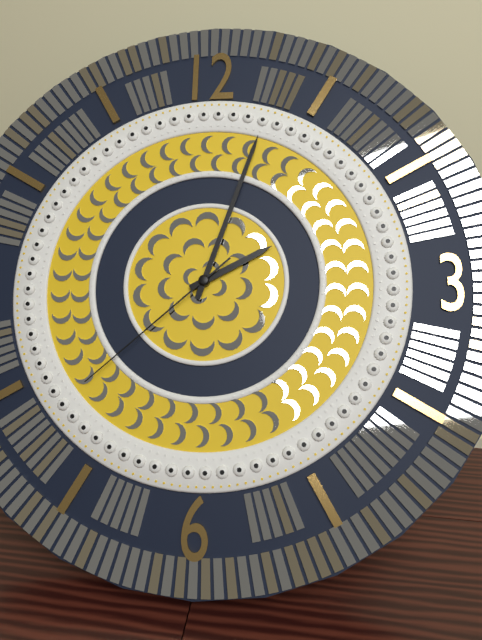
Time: 2h03m38s
